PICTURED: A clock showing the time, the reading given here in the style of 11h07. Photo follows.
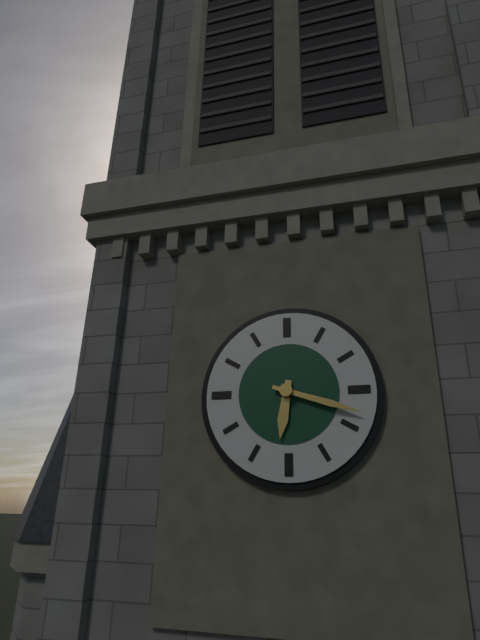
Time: 6h18
